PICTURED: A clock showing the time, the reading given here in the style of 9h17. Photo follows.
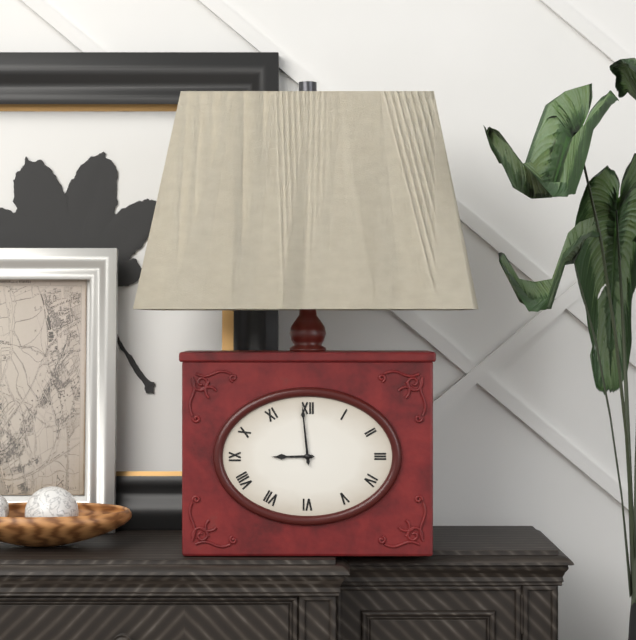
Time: 8h59
